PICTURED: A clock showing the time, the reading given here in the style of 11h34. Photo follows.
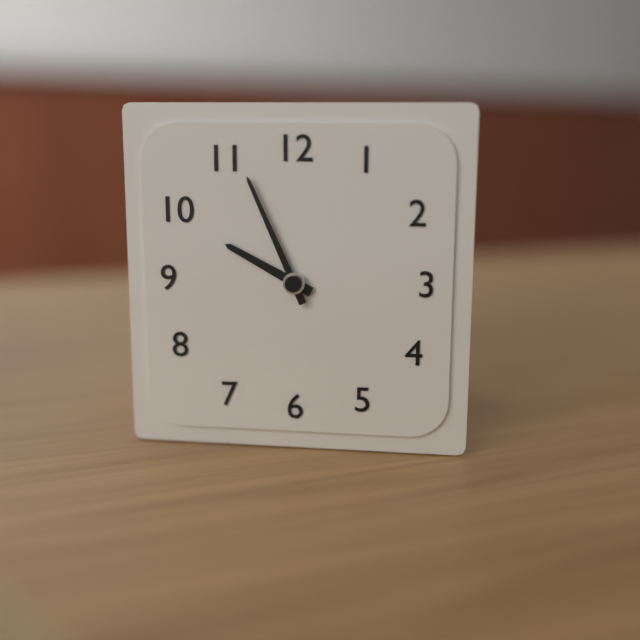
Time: 9h56
